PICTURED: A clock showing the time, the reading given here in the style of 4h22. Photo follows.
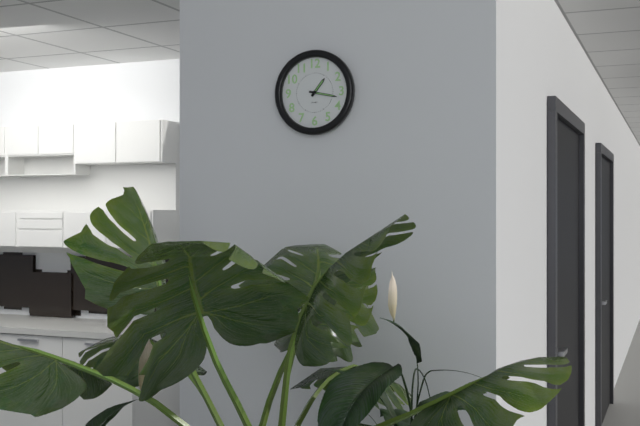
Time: 1h17
